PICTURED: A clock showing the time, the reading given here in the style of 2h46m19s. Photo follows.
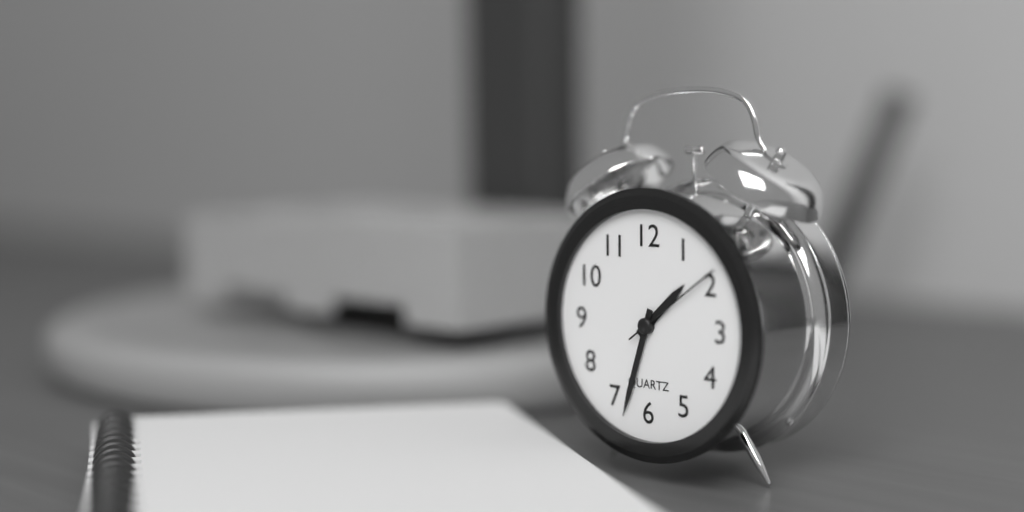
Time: 1h33m09s
